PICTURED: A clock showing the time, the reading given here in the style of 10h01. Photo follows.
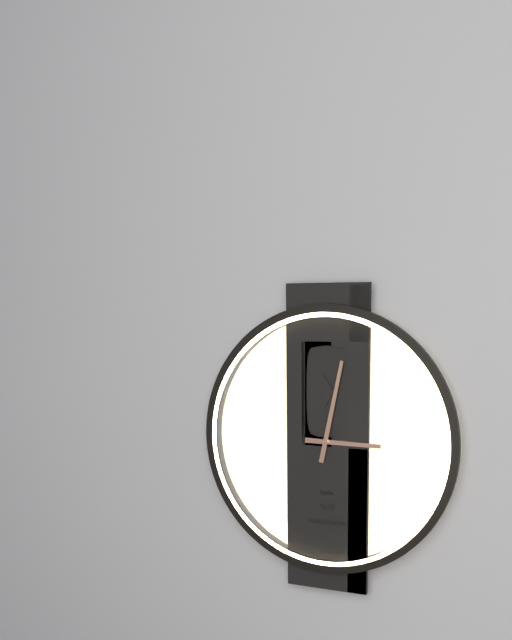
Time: 3h02
